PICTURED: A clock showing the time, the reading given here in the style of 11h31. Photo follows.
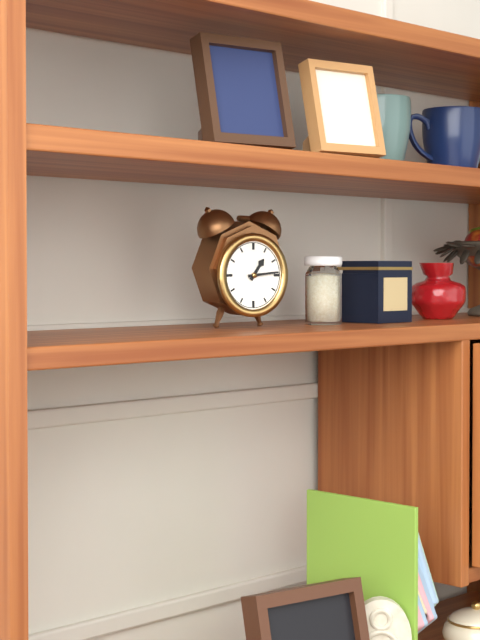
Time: 1h14
